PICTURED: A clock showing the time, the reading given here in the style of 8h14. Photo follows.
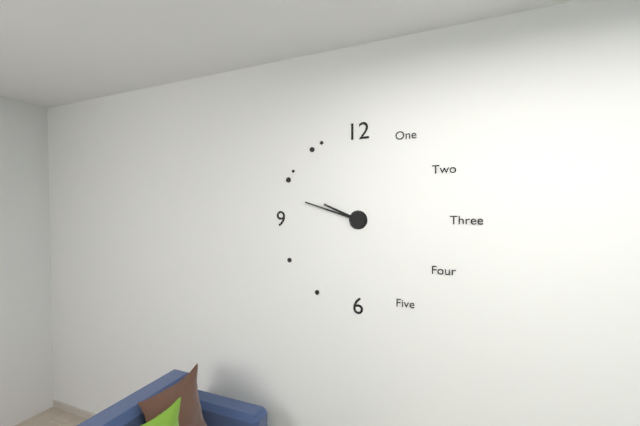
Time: 9h48
